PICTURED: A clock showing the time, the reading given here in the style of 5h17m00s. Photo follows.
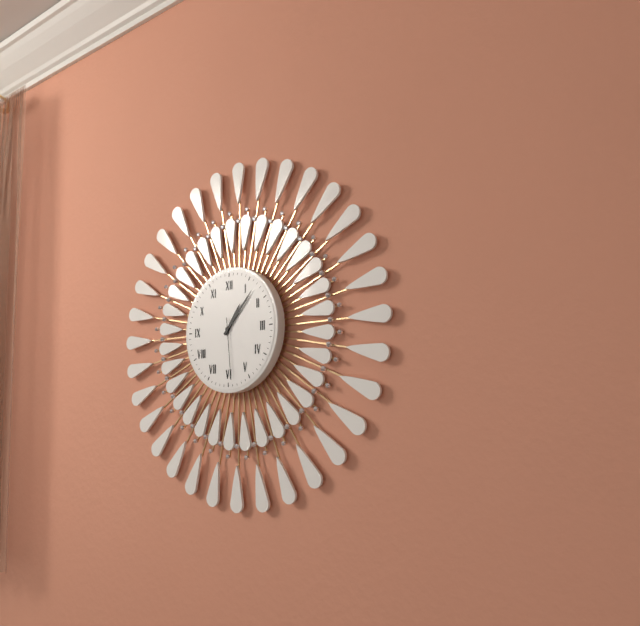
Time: 1h07m29s
